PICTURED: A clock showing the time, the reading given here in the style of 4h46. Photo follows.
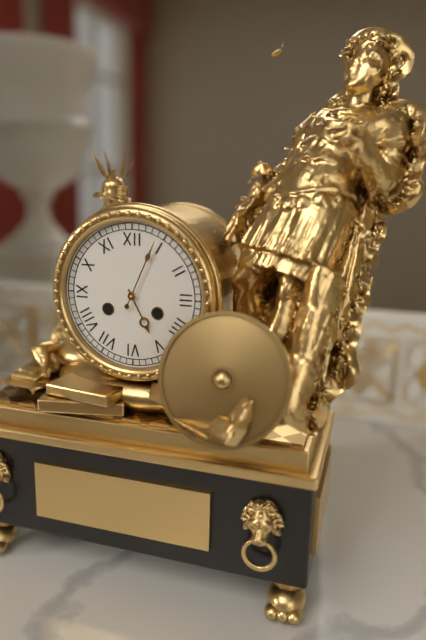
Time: 5h04
